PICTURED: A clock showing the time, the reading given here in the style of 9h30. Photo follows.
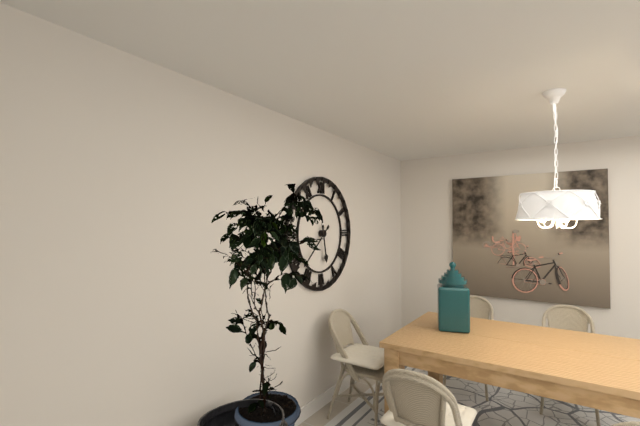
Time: 5h38
